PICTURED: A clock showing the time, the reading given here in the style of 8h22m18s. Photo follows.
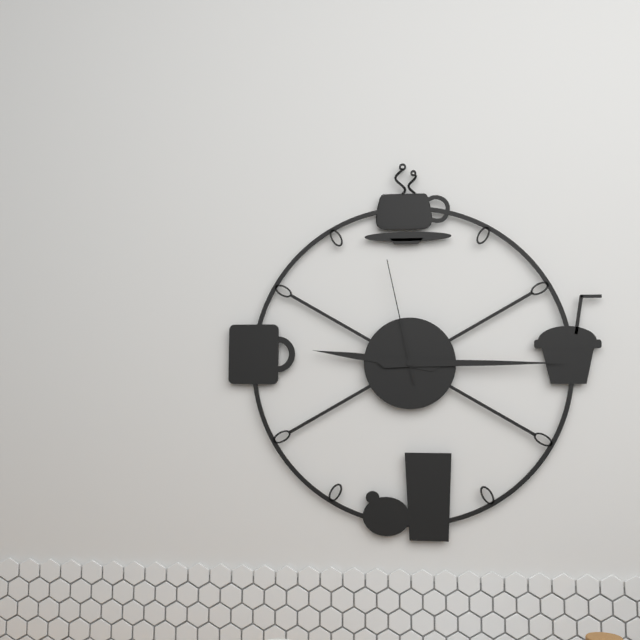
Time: 9h15m58s
